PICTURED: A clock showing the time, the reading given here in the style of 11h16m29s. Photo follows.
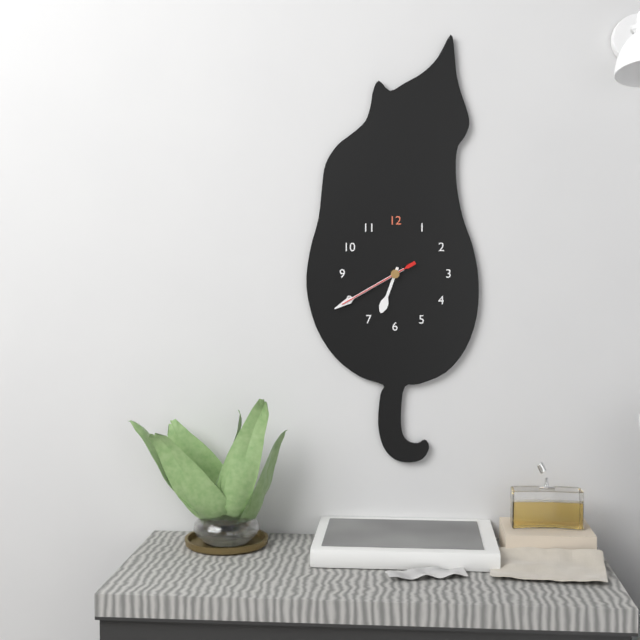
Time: 6h40m40s
